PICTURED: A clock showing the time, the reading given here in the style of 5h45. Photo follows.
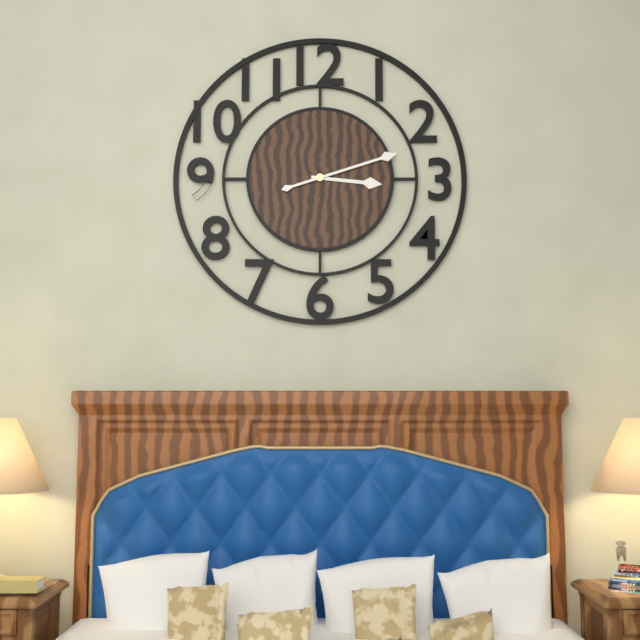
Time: 3h12
